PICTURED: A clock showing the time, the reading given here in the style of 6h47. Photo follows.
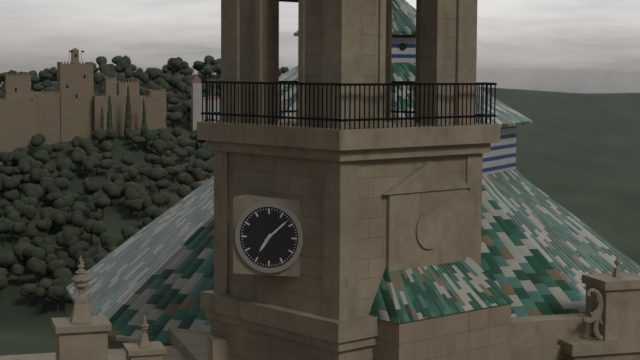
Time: 7h08
